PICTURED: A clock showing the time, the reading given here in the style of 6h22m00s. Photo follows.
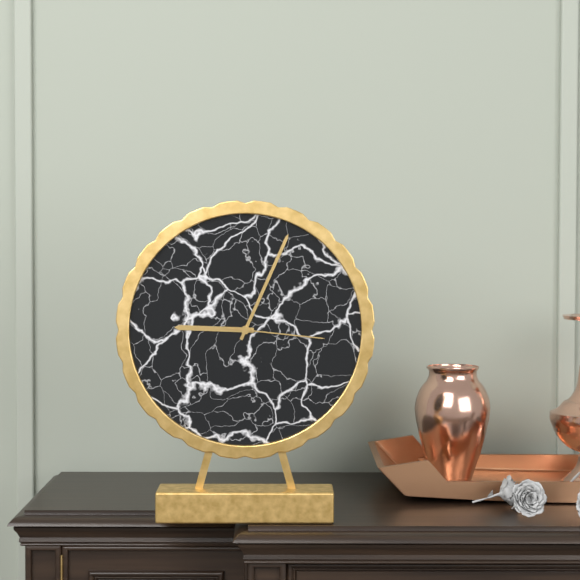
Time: 9h04m16s
